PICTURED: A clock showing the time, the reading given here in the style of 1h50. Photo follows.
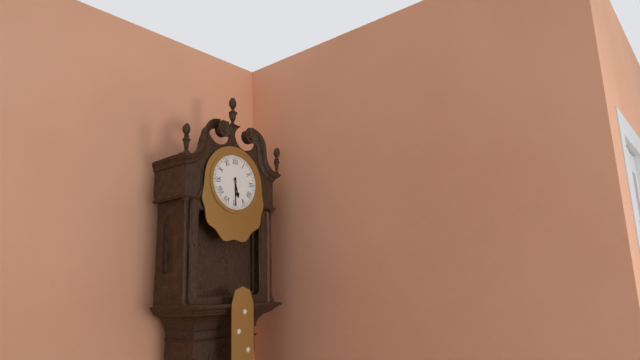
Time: 5h30
